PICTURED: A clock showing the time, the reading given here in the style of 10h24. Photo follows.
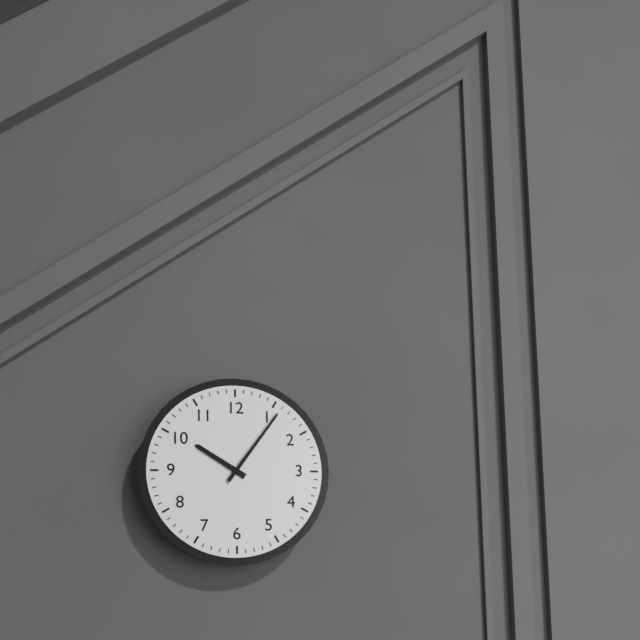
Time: 10h06
